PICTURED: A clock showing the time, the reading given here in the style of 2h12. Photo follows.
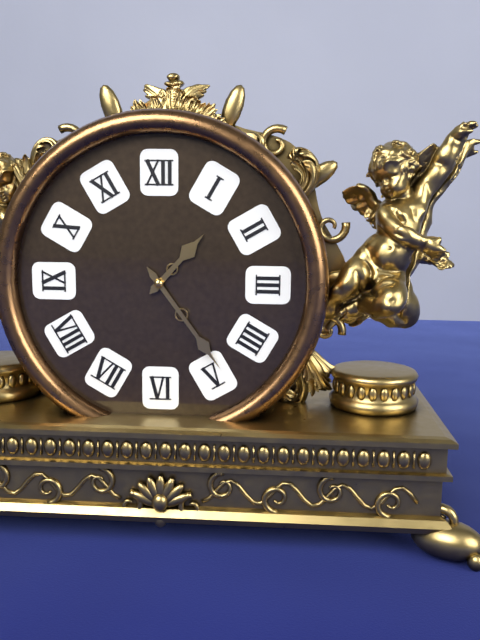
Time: 1h24
